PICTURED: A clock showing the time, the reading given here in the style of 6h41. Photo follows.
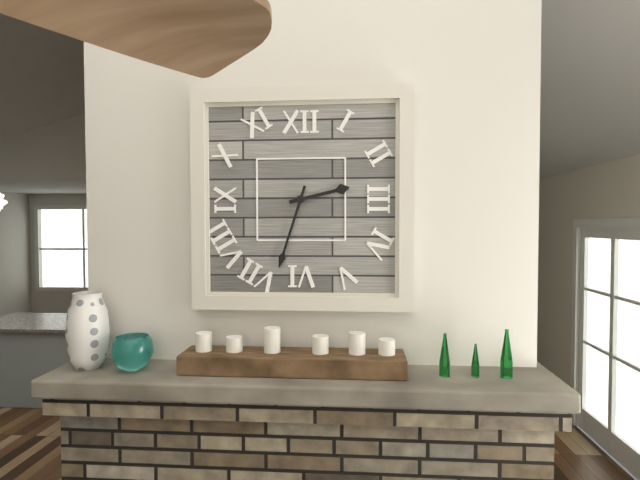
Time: 2h33
